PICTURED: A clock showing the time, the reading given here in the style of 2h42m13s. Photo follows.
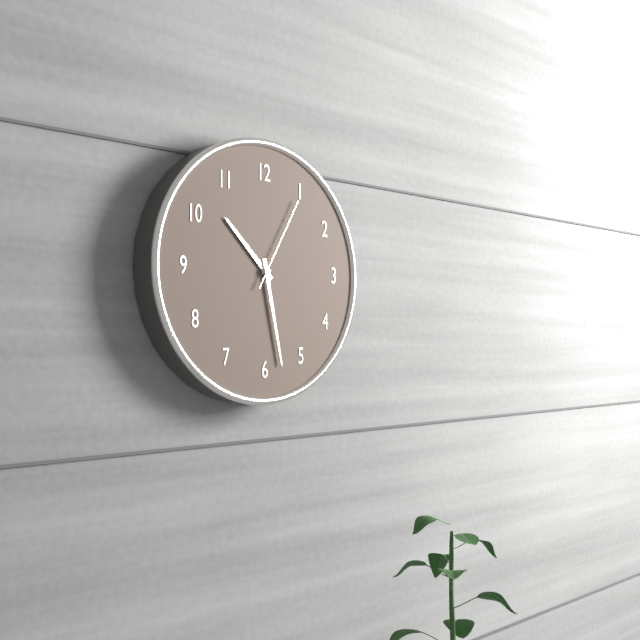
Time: 10h28m05s
